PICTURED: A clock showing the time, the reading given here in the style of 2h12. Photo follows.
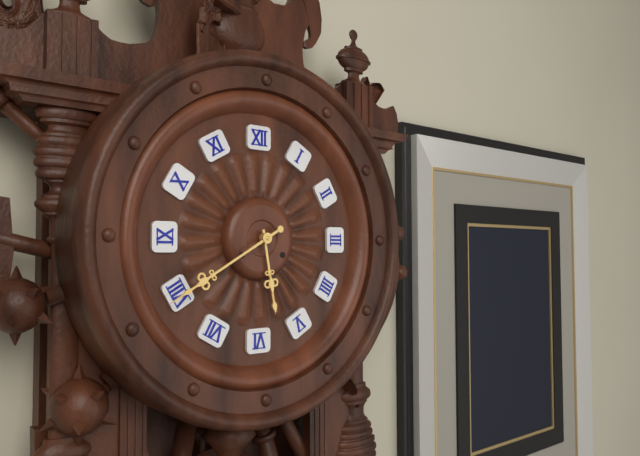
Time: 5h40
